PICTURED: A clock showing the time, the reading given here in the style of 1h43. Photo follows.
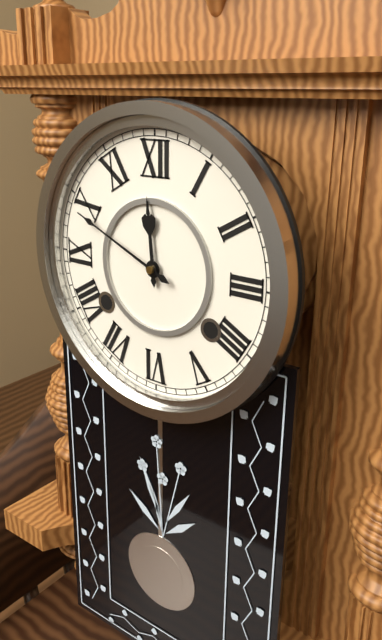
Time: 11h49
